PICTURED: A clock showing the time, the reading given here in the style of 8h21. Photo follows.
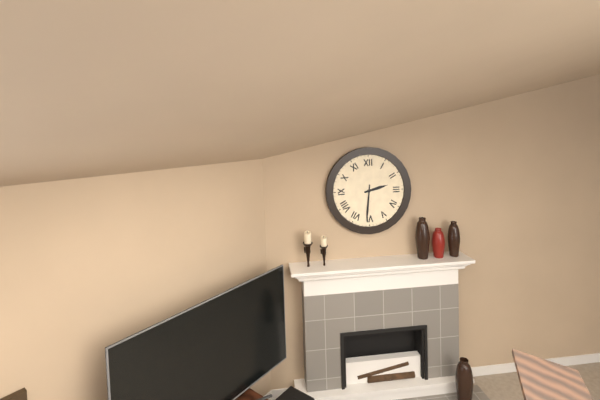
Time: 2h31
